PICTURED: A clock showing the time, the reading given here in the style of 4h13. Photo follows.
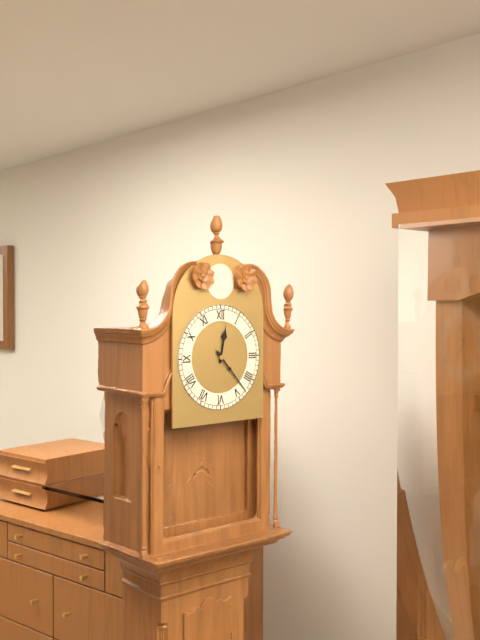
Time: 12h23
